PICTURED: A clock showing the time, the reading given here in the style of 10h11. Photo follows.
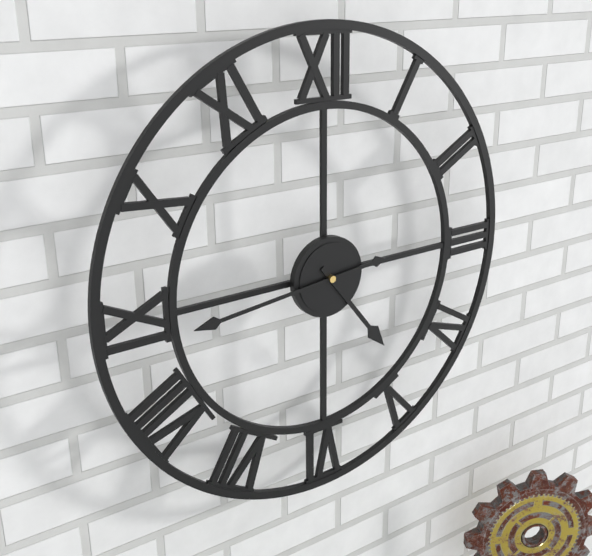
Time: 4h44
